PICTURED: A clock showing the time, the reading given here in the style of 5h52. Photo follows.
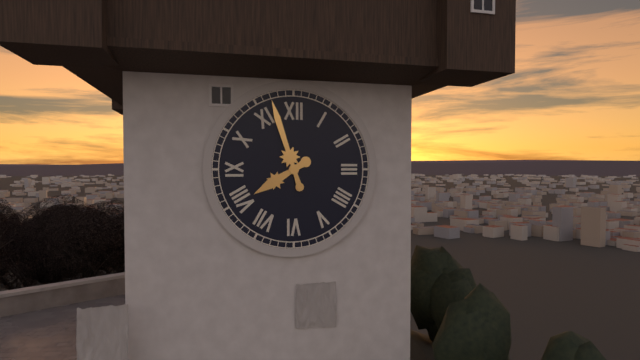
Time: 7h57
